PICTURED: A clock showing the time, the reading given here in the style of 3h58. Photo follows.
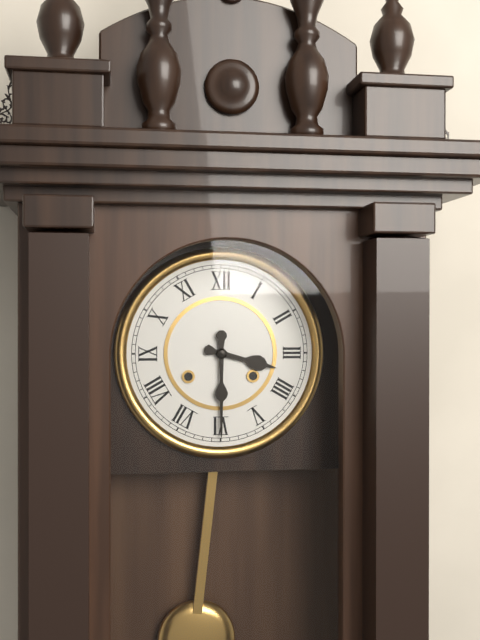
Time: 3h30
